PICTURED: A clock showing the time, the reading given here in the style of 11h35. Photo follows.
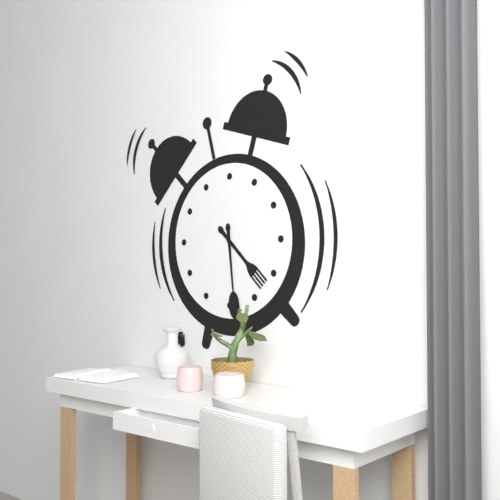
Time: 4h29
